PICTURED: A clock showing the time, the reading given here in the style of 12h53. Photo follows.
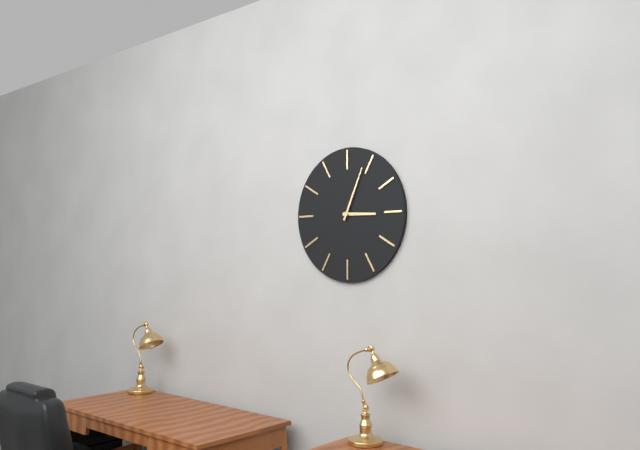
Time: 3h04
